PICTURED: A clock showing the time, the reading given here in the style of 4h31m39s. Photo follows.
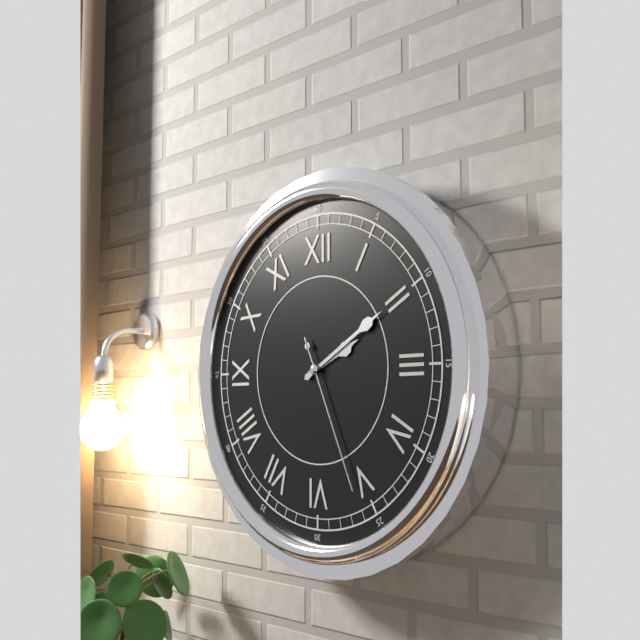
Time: 2h10m26s
